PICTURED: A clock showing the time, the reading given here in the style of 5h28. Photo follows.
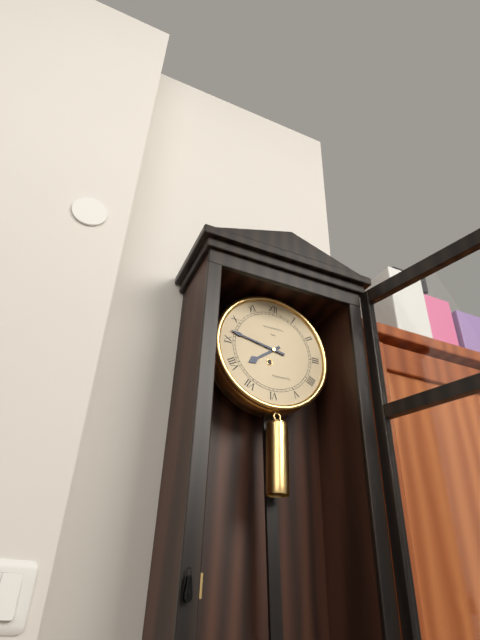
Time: 7h47
